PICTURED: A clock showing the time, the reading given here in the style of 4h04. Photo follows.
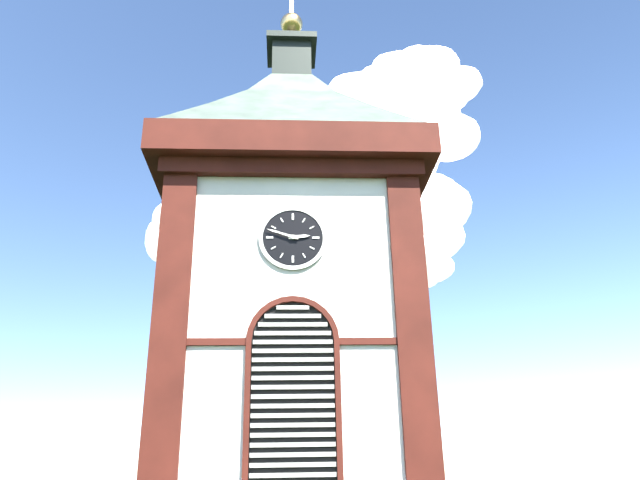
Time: 2h48
